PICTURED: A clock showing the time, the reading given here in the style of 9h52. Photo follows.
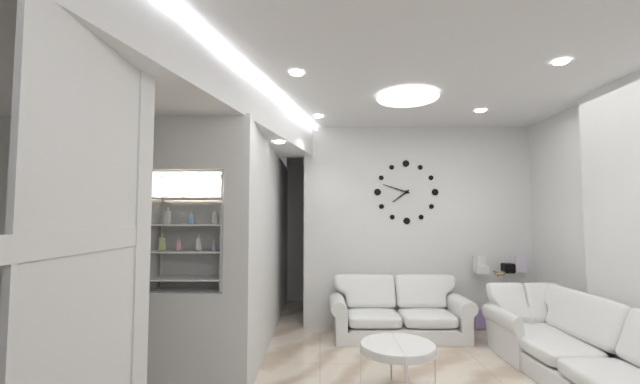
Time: 7h48
